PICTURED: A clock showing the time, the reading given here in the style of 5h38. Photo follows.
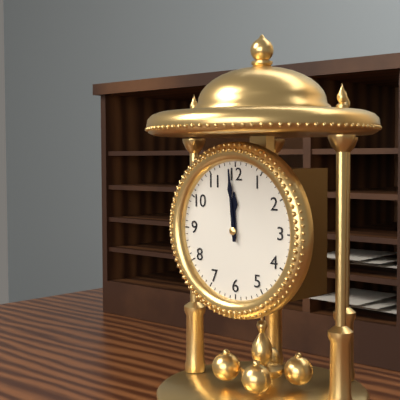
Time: 11h59
